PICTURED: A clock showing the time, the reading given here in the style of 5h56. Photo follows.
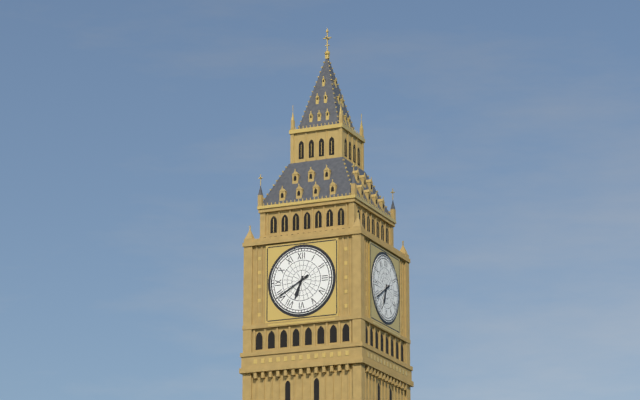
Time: 6h40
